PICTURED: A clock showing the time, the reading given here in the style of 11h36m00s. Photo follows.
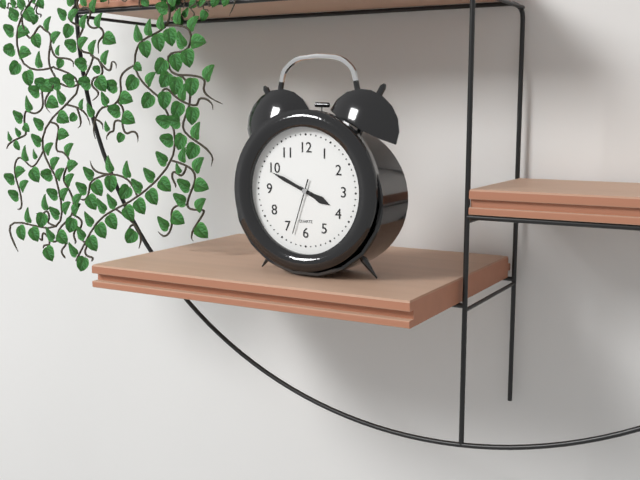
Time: 3h49m33s
